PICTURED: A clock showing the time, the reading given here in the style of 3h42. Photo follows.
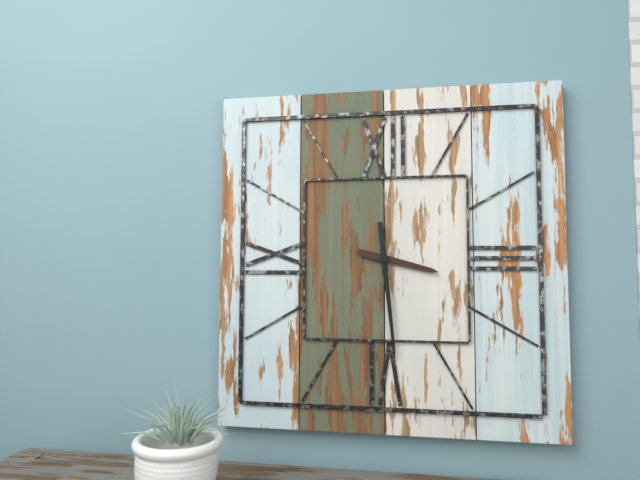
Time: 3h29
